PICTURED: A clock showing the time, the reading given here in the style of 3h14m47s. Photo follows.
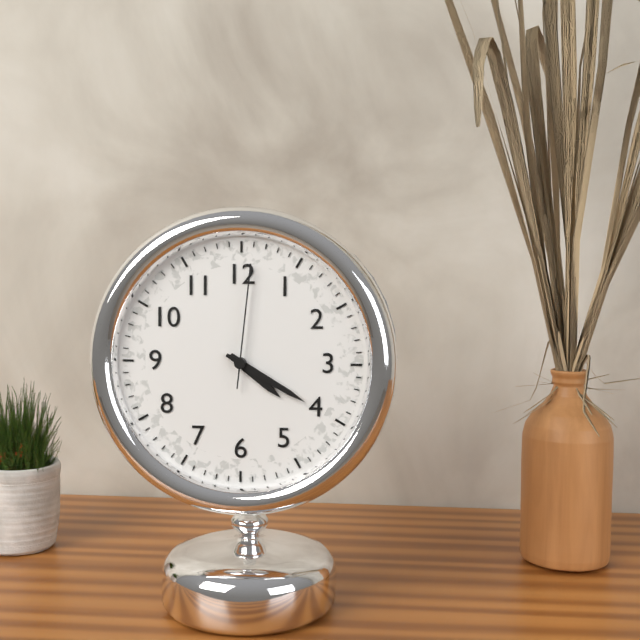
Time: 4h20m01s
